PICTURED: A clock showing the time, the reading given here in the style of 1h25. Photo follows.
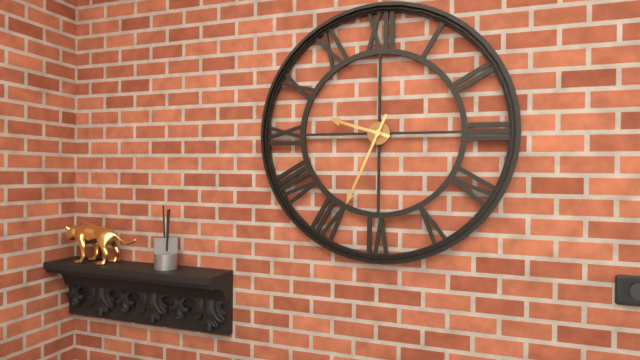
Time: 9h34
